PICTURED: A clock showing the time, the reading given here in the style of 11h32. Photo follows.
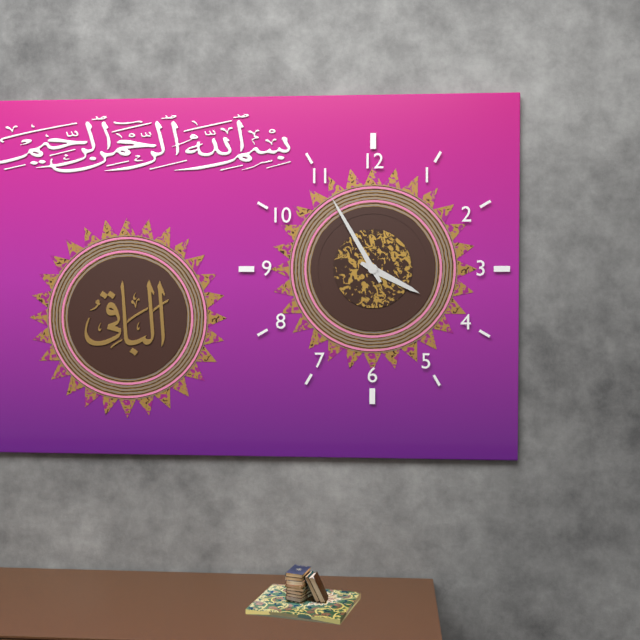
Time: 3h55
